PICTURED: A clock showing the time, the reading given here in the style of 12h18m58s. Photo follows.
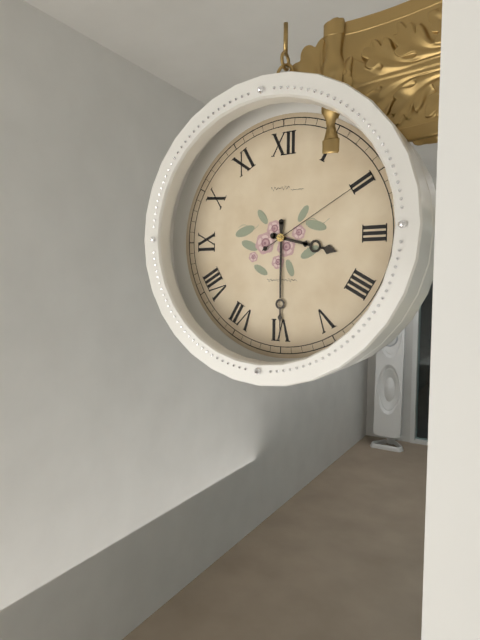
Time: 3h30m10s
